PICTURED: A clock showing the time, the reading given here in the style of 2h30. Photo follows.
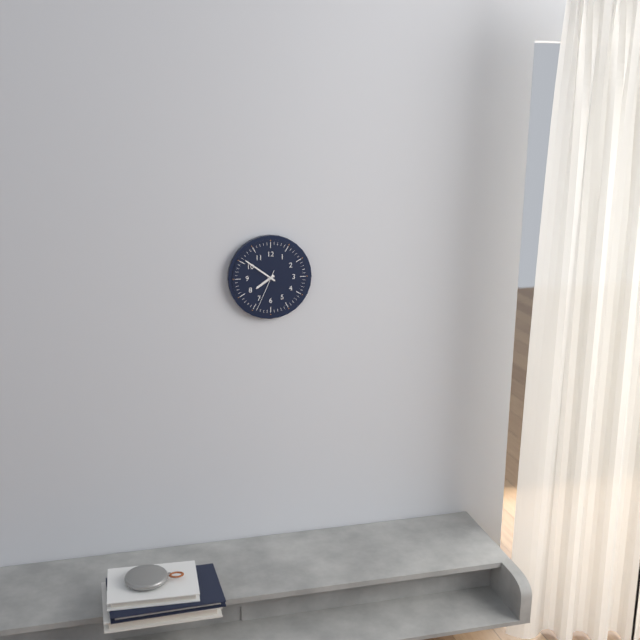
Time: 7h51
